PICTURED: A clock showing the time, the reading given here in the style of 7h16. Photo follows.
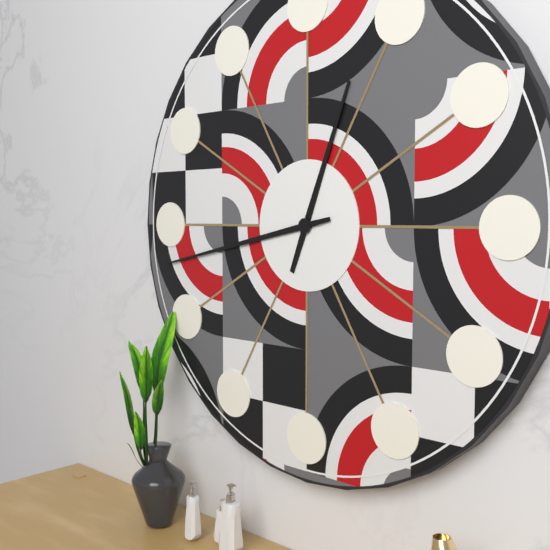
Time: 12h43
